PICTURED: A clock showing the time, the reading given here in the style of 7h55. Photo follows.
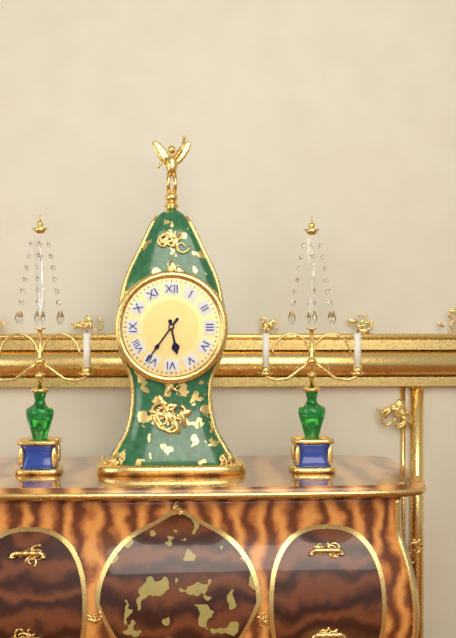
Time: 5h36
